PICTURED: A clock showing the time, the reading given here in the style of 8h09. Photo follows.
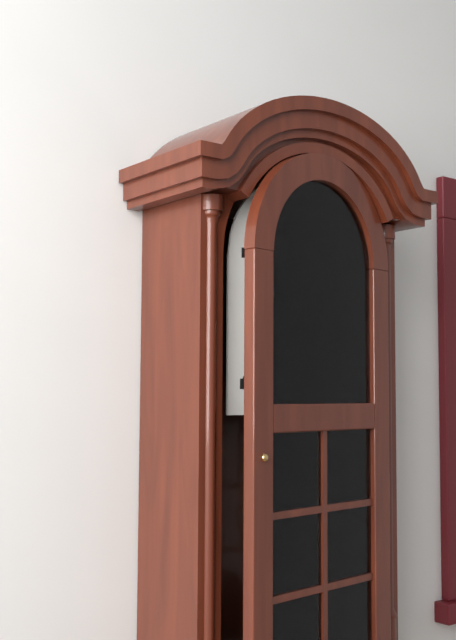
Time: 10h12
